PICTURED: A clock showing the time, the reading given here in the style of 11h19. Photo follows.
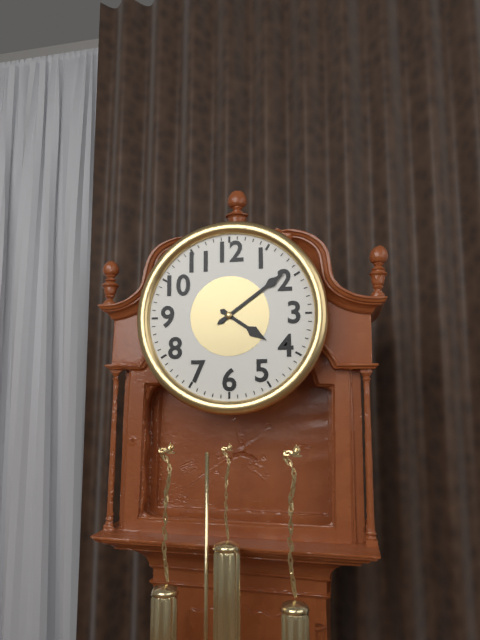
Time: 4h09
